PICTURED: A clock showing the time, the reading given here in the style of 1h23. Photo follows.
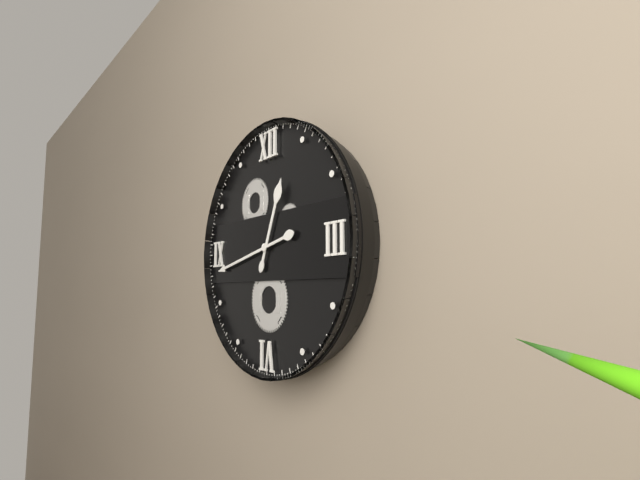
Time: 12h43
